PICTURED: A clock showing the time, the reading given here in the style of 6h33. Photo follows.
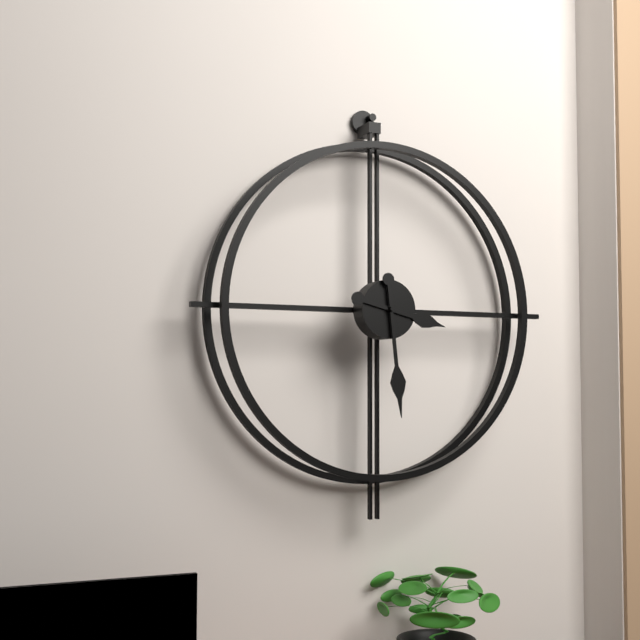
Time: 3h29
